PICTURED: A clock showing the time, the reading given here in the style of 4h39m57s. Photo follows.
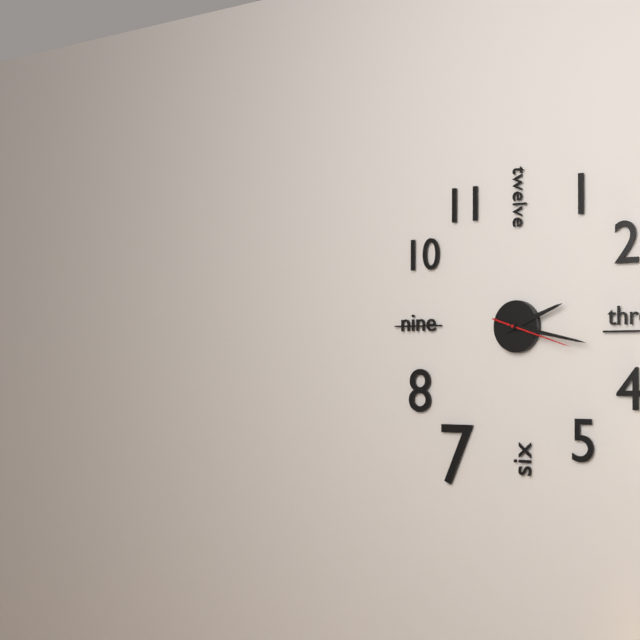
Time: 2h17m18s
